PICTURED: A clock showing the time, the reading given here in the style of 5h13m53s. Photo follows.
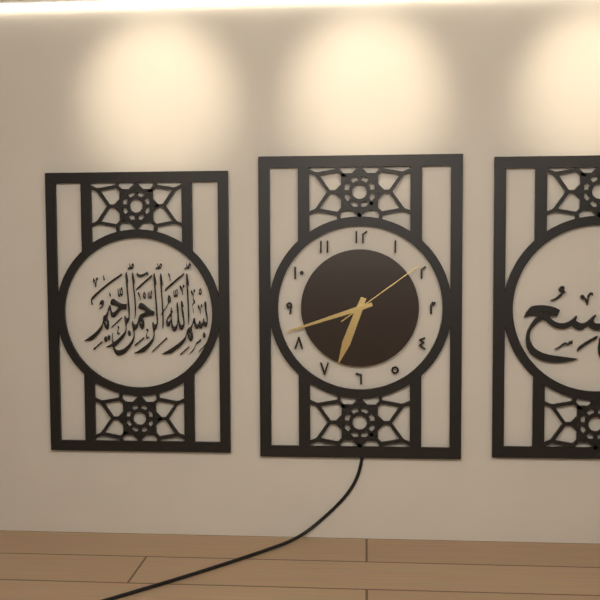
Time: 6h42m09s
